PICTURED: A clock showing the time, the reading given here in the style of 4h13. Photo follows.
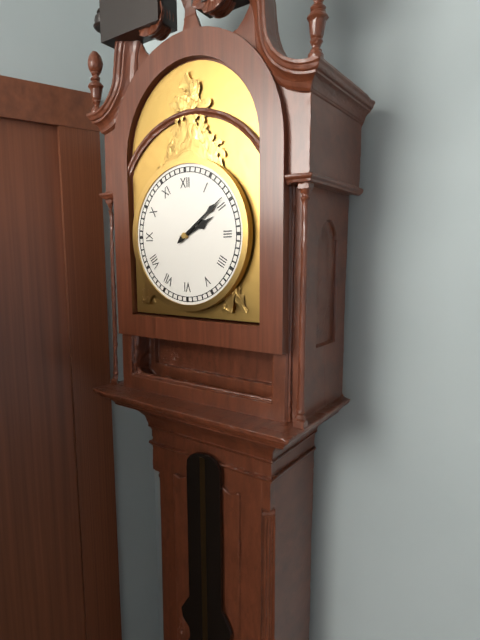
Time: 2h09
